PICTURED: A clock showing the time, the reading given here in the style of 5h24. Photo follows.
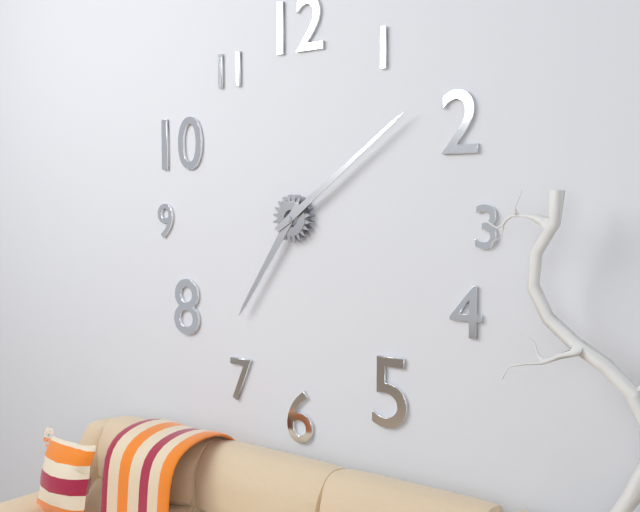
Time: 7h09
